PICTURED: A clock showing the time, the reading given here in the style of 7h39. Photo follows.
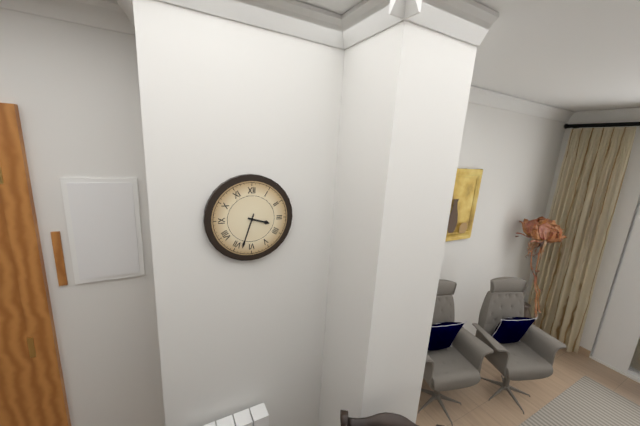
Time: 3h33
